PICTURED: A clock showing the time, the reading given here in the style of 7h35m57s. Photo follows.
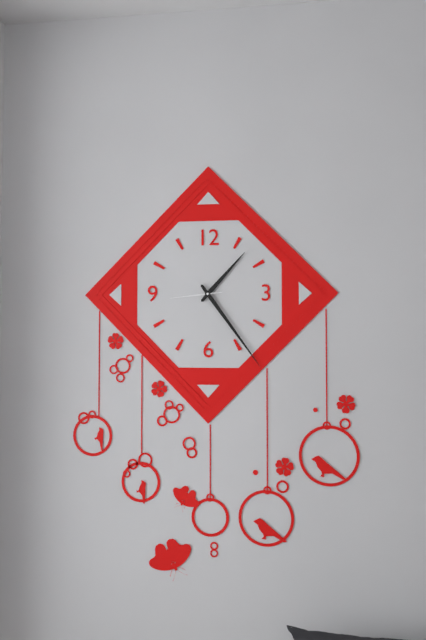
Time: 1h24m44s
